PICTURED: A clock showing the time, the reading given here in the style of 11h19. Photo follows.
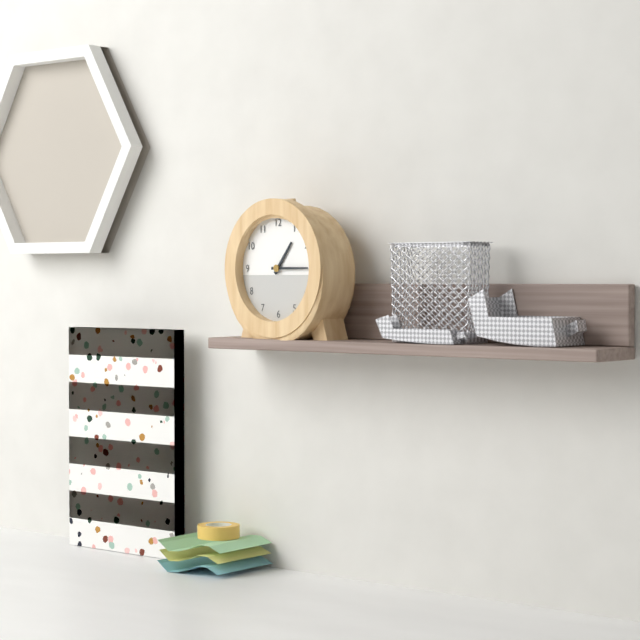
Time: 1h15
